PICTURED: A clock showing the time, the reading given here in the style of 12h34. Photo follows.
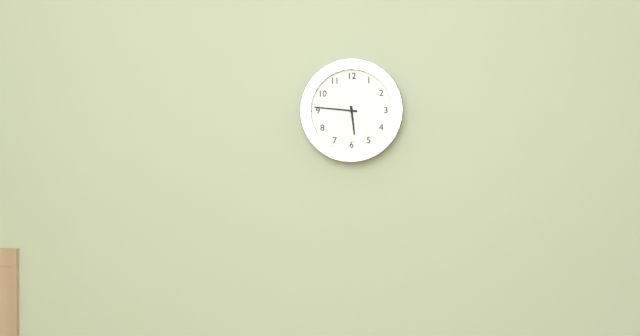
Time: 5h46
